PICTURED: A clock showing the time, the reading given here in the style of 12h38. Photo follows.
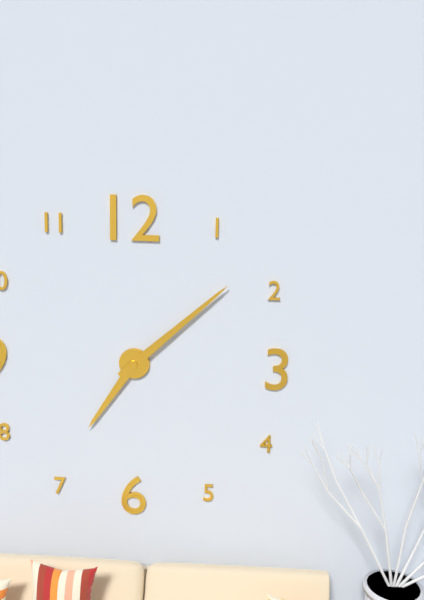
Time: 7h08
